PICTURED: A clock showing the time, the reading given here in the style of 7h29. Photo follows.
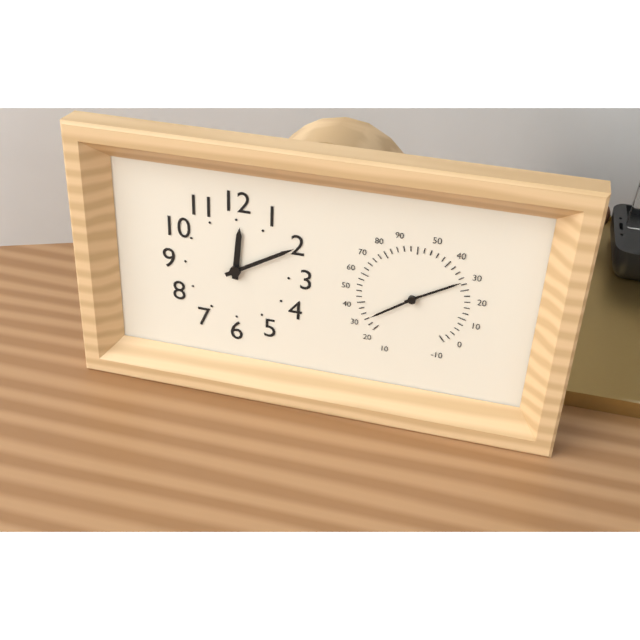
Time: 12h10
